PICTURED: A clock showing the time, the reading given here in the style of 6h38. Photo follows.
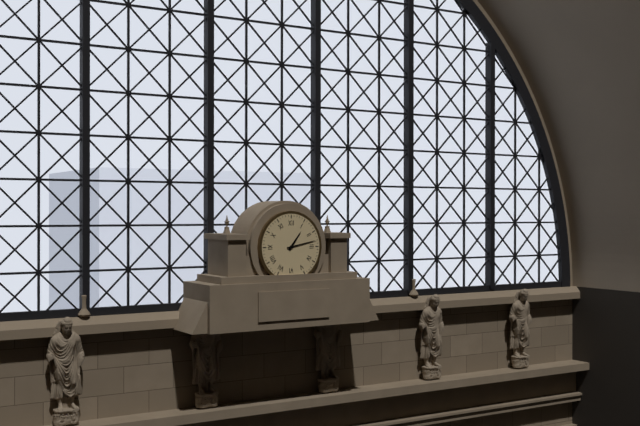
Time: 1h13
